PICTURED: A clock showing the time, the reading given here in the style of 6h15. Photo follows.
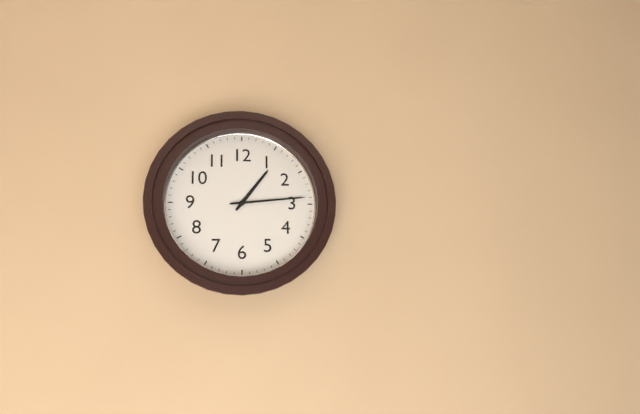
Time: 1h14
